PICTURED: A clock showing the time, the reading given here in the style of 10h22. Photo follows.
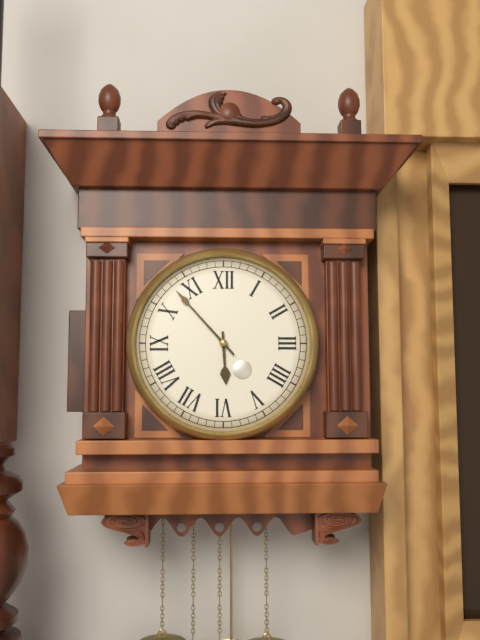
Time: 5h53
